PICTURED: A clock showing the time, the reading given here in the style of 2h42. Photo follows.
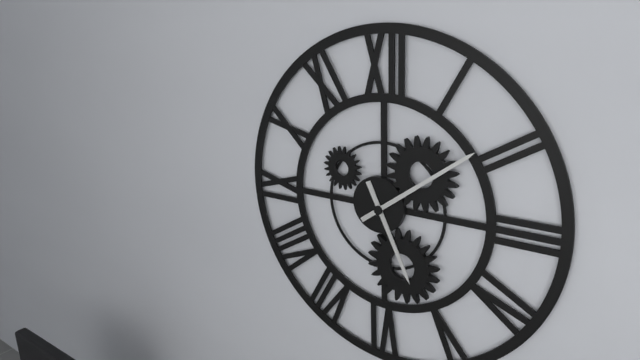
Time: 5h09
